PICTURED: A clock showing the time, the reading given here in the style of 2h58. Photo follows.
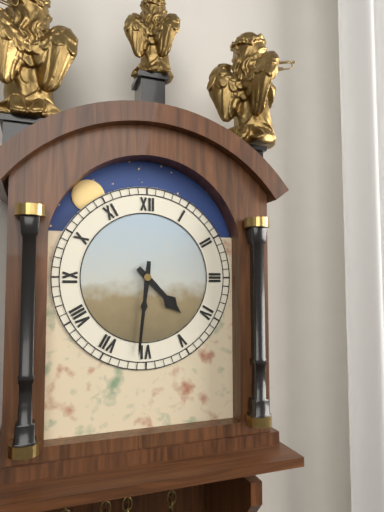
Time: 4h31
